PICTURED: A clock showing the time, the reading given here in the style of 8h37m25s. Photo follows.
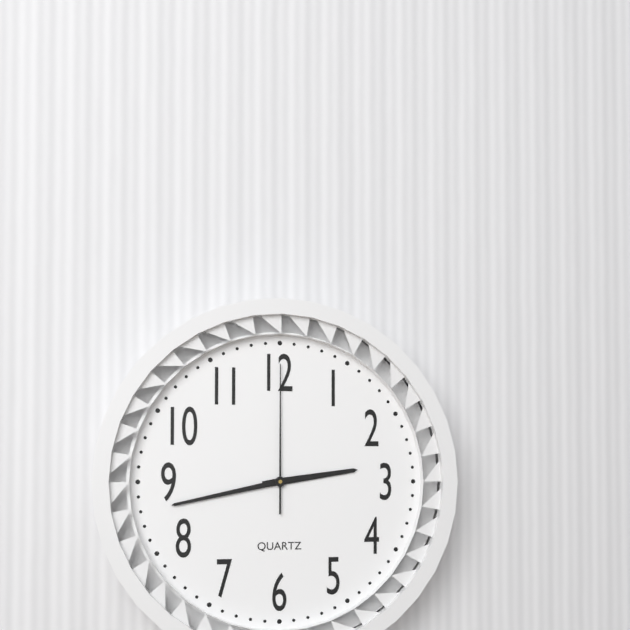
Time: 2h43m00s
